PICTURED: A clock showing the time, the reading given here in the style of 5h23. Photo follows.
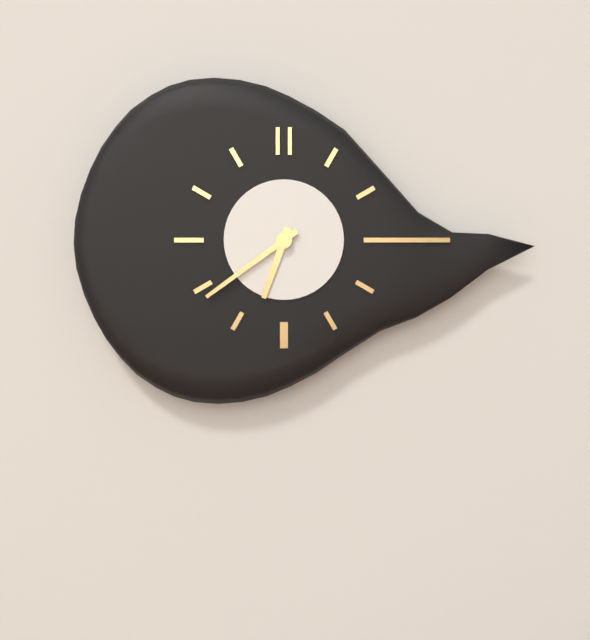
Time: 6h39
